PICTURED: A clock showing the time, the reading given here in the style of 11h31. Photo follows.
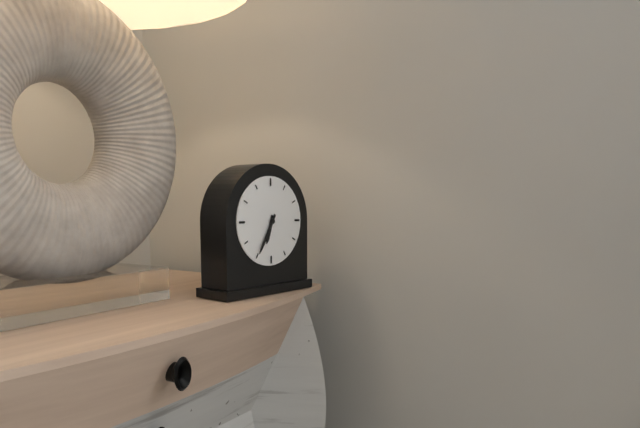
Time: 6h35
